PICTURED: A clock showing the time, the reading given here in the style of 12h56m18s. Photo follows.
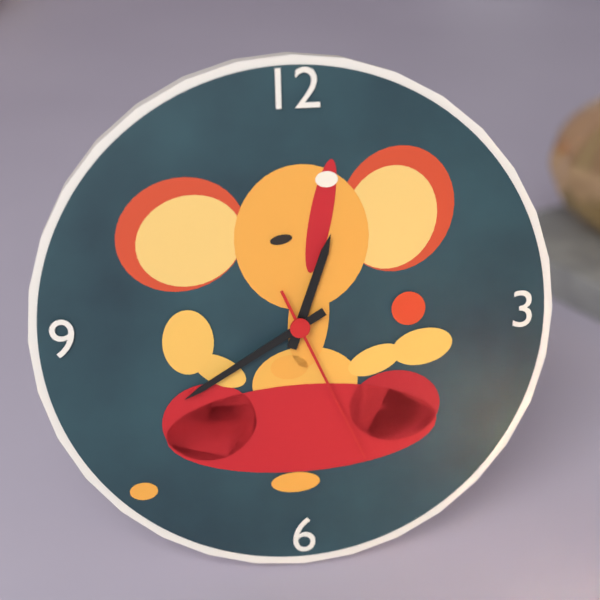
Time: 12h40m26s
